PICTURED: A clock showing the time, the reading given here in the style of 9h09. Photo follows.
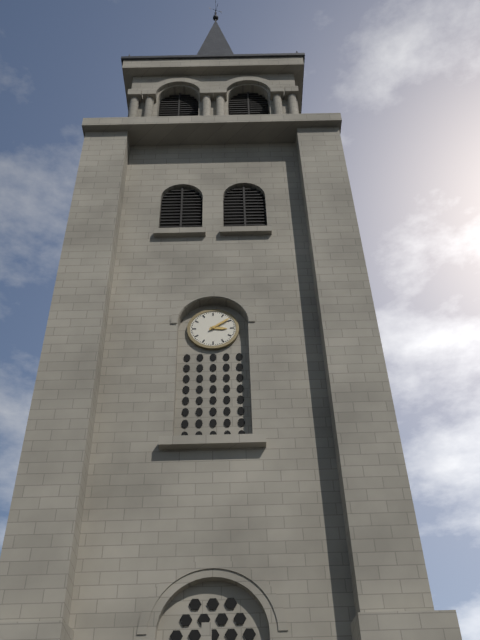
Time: 3h09
